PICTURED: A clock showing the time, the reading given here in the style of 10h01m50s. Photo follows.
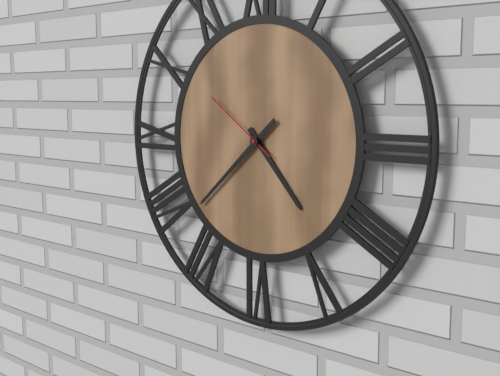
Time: 4h38m51s
